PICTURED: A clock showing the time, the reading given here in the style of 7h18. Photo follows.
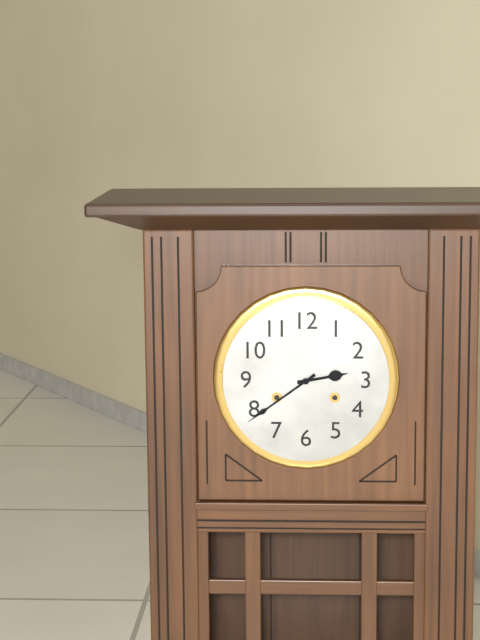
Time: 2h39
